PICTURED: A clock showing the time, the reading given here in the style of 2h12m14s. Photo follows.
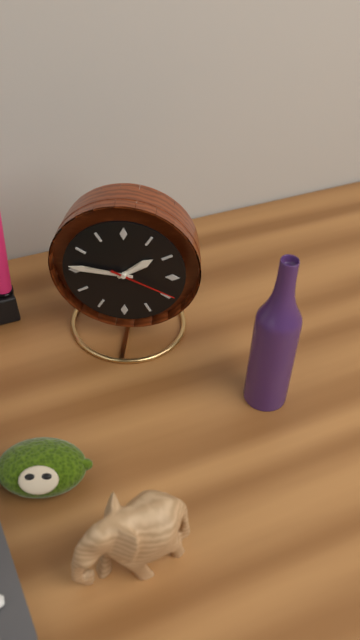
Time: 1h46m19s
